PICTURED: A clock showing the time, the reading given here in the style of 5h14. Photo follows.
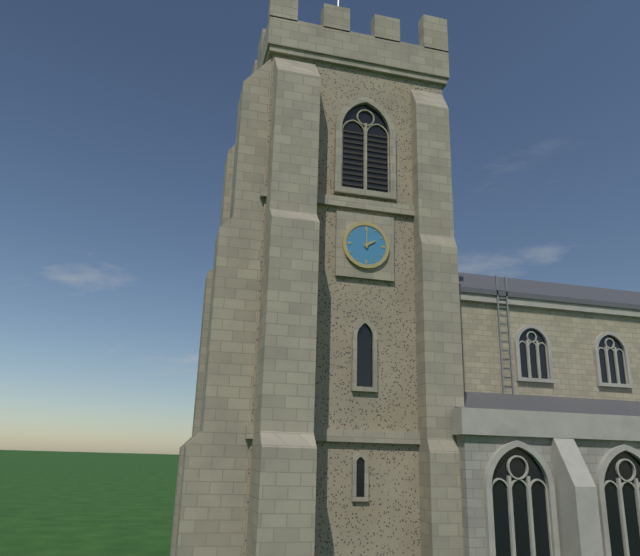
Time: 2h00
